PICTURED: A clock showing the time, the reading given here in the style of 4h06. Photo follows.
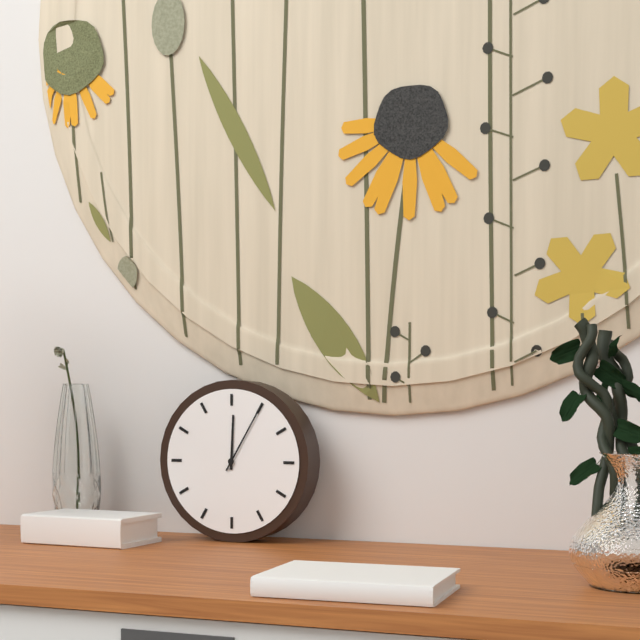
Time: 12h05
